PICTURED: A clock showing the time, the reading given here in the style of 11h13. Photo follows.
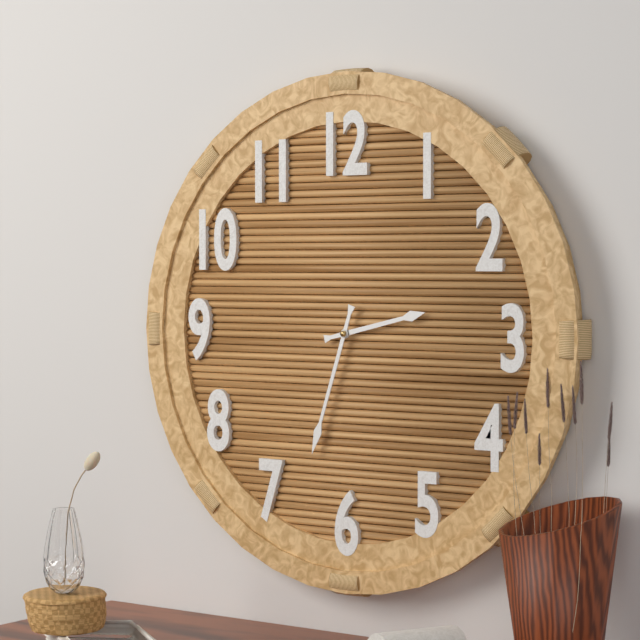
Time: 2h33
